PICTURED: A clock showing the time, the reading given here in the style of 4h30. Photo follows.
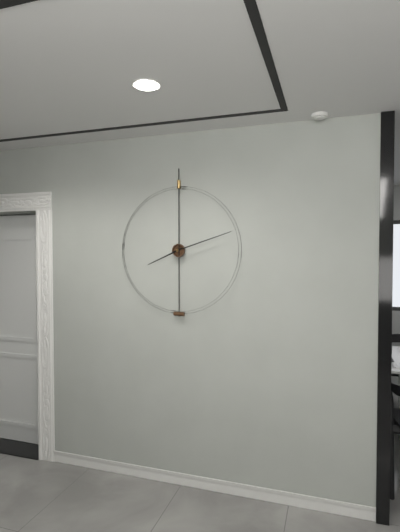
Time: 8h12
